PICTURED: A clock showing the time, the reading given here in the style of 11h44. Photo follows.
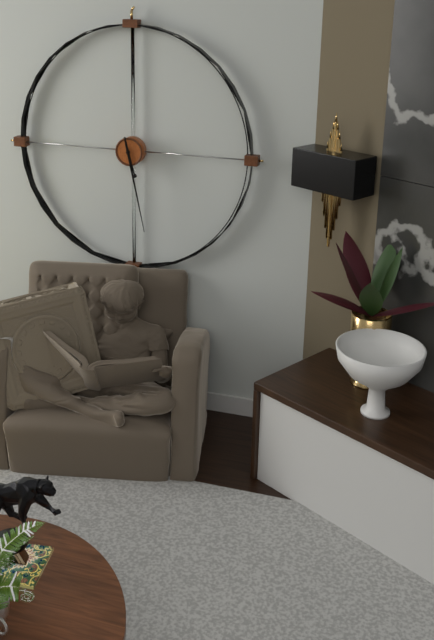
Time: 5h28
